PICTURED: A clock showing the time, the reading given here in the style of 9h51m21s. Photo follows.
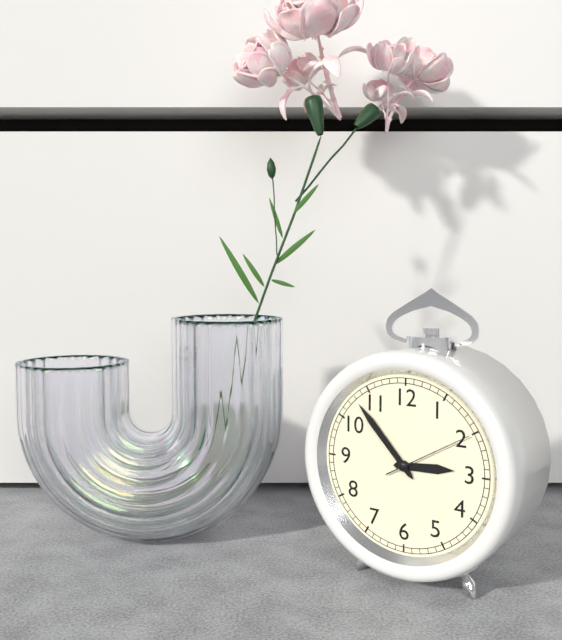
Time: 2h53m10s
